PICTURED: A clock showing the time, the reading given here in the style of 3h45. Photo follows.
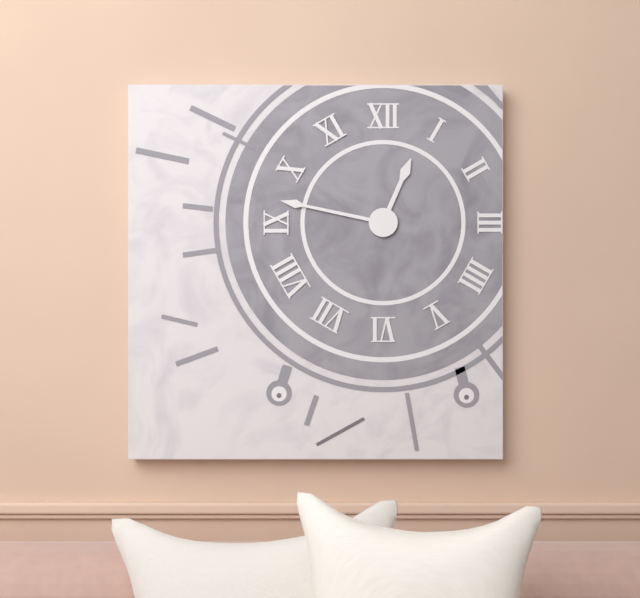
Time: 12h47
